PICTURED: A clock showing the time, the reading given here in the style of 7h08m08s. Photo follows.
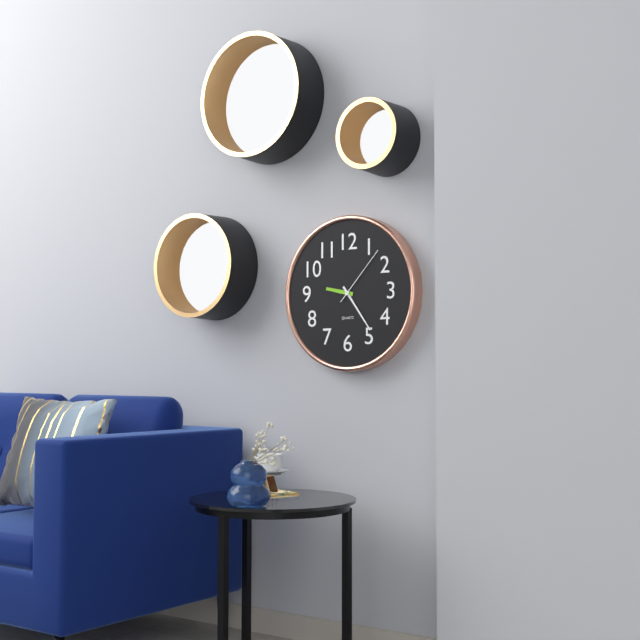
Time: 9h24m07s
